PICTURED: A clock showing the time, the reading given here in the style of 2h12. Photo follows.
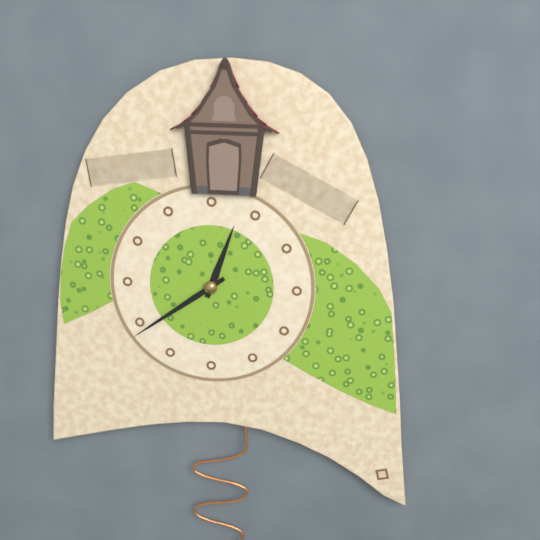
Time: 12h39
